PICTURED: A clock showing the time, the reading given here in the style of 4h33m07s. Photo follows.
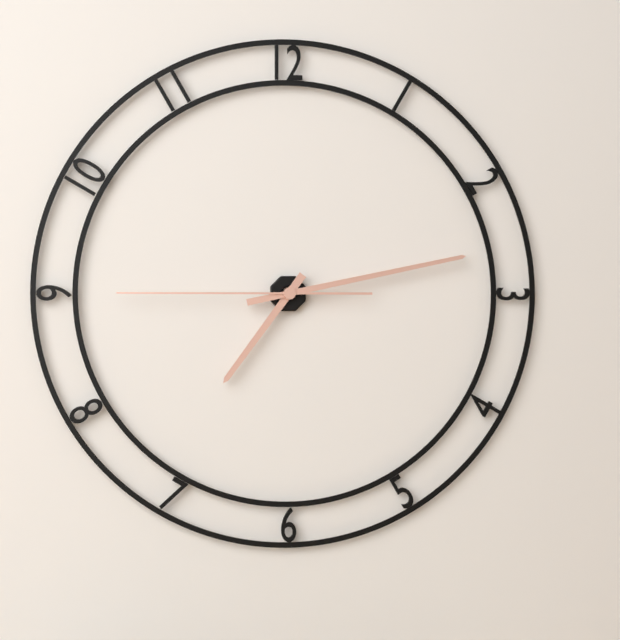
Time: 7h13m45s
